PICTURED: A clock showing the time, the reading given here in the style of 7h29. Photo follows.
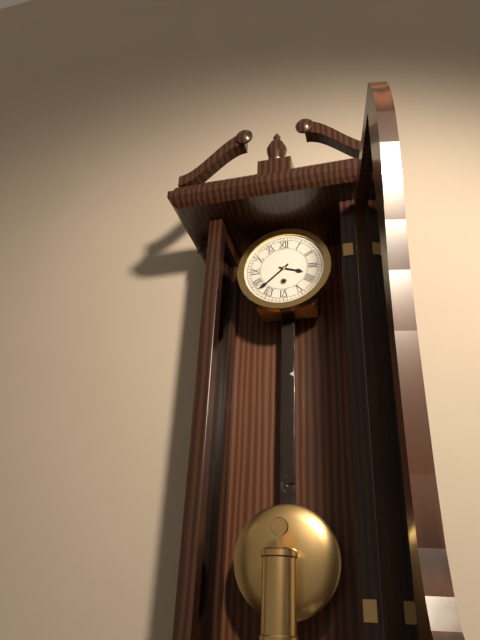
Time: 3h38
